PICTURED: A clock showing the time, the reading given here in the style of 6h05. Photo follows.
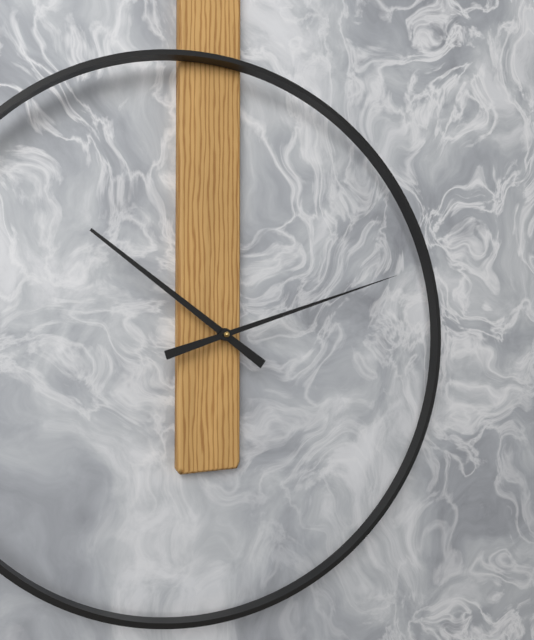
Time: 10h12
